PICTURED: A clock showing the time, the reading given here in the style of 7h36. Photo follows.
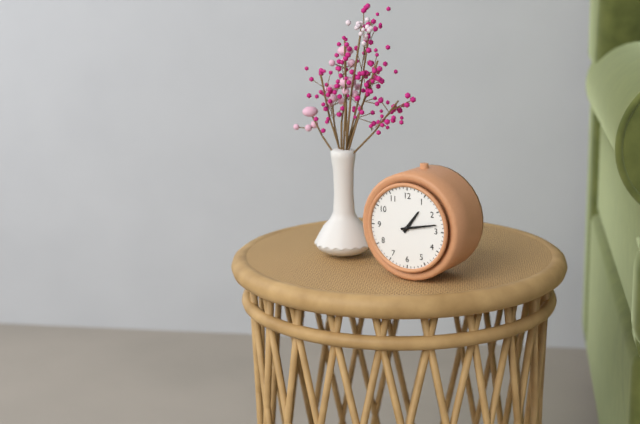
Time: 1h13
